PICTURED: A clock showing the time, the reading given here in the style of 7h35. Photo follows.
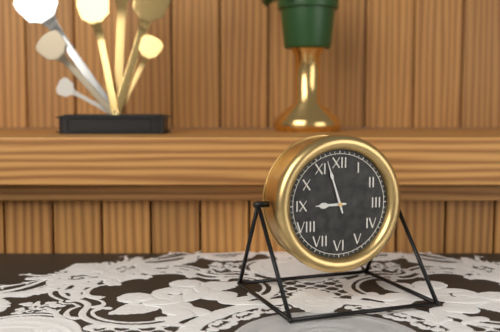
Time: 8h57
